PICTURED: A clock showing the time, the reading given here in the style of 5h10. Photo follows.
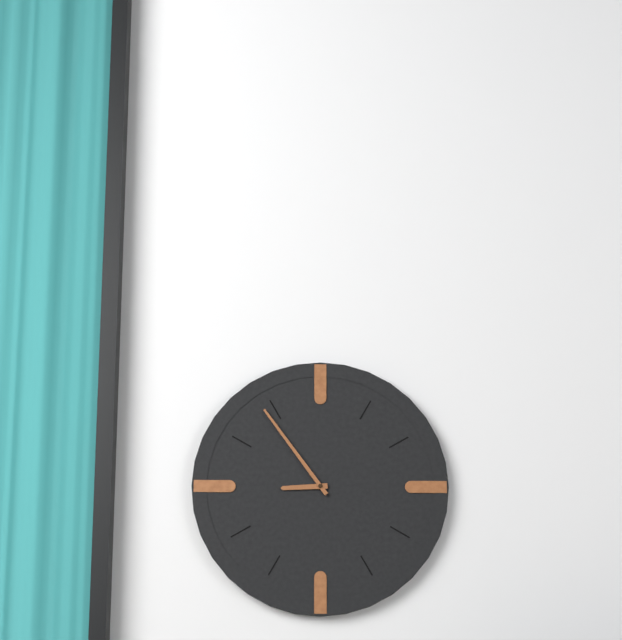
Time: 8h54
